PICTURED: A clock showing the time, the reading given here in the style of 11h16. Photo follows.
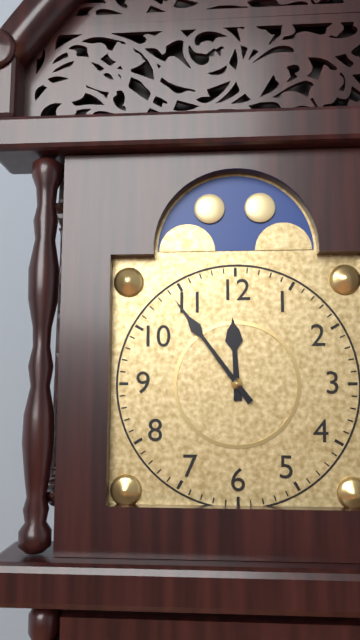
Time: 11h54
